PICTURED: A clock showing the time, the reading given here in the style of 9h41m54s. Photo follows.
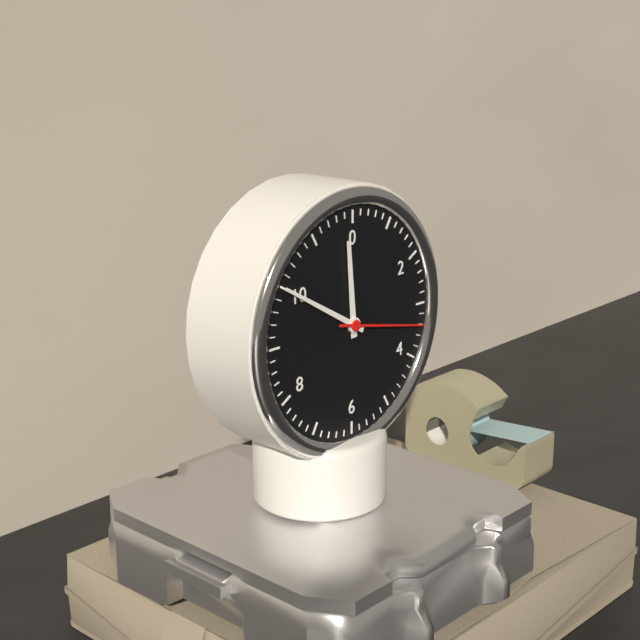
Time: 11h50m17s
